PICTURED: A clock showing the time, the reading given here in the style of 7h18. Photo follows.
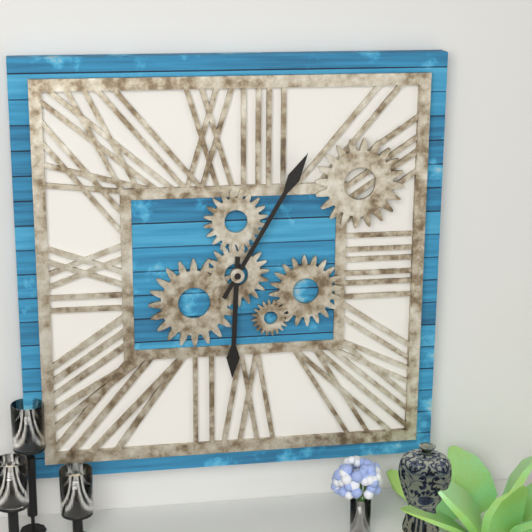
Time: 6h05
